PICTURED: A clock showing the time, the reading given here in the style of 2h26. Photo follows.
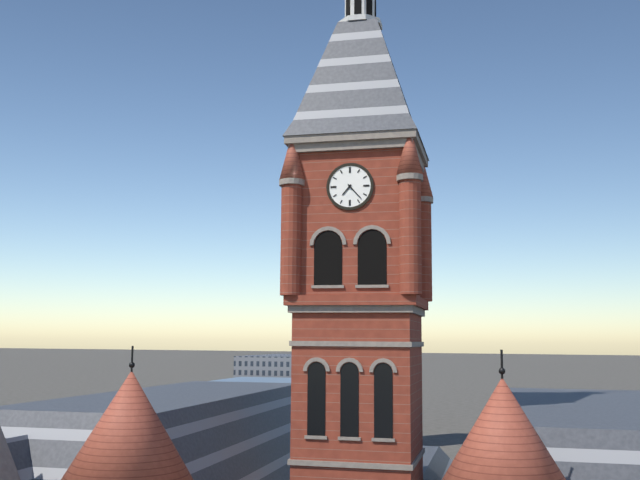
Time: 7h23
